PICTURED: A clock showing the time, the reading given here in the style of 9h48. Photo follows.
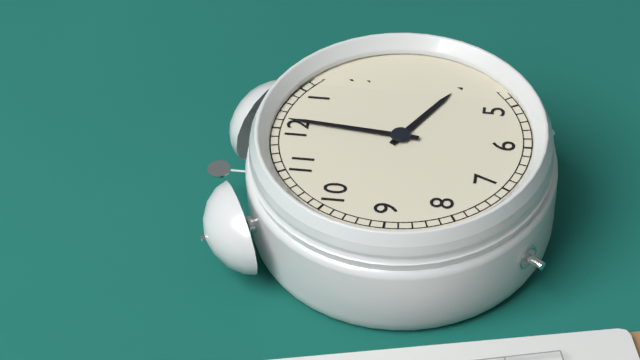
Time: 4h01
